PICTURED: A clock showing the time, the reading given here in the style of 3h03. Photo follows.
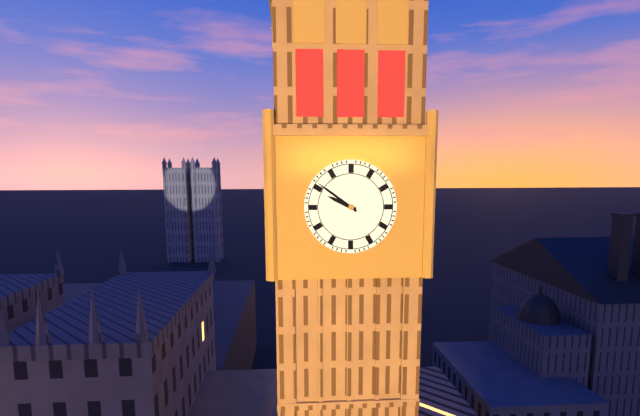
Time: 9h51
